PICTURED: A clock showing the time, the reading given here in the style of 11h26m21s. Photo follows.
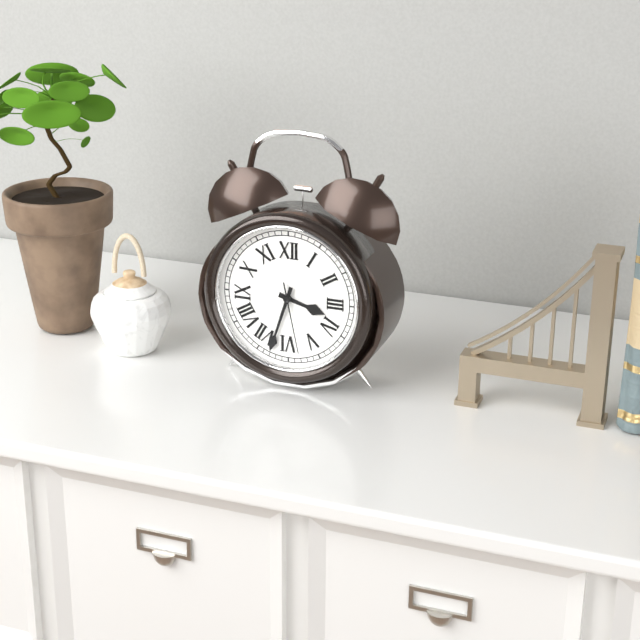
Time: 3h33m28s
